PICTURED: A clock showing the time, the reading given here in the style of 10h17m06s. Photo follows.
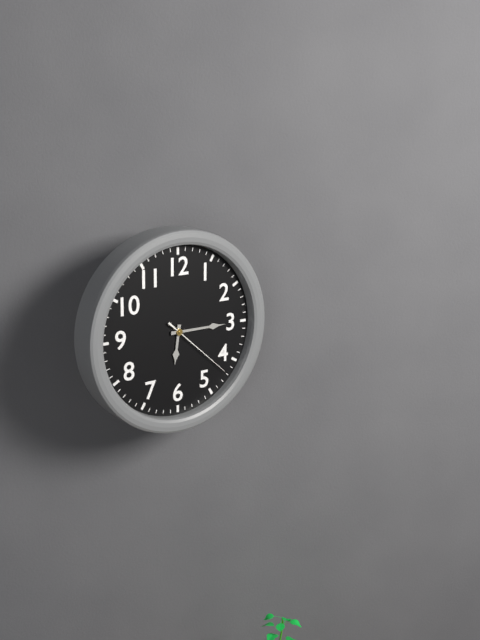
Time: 6h15m22s
